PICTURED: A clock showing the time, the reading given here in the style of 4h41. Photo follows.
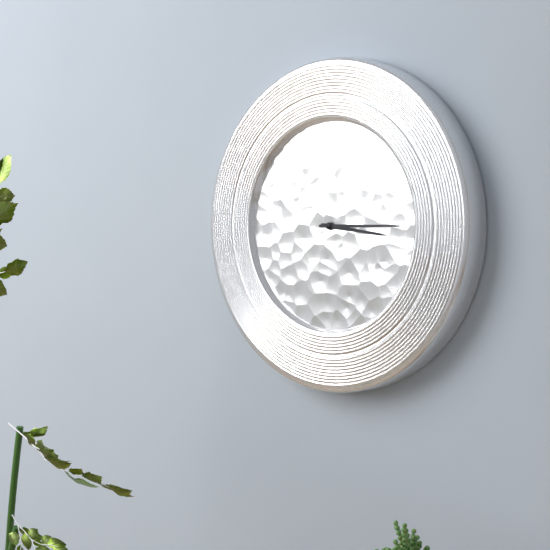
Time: 3h15
